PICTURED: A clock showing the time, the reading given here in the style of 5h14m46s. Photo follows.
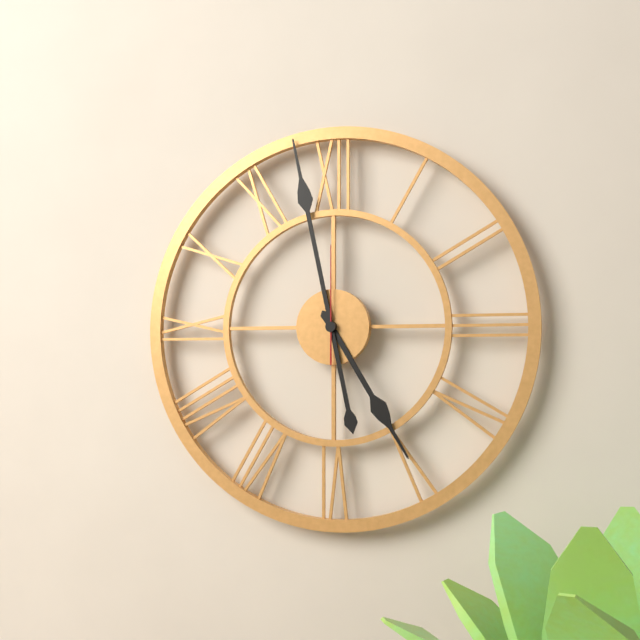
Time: 4h58m00s
